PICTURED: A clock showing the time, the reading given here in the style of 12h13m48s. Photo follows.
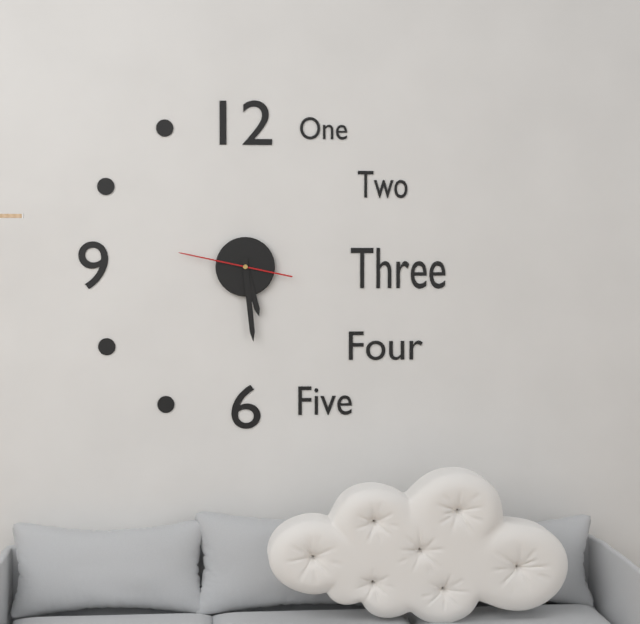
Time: 5h29m47s
